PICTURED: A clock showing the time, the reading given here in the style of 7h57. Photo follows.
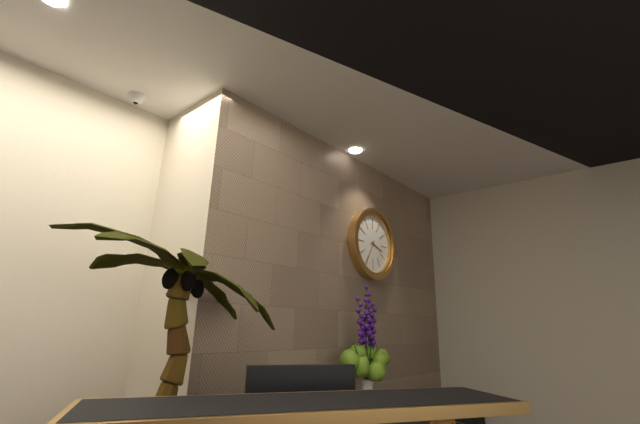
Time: 3h35
